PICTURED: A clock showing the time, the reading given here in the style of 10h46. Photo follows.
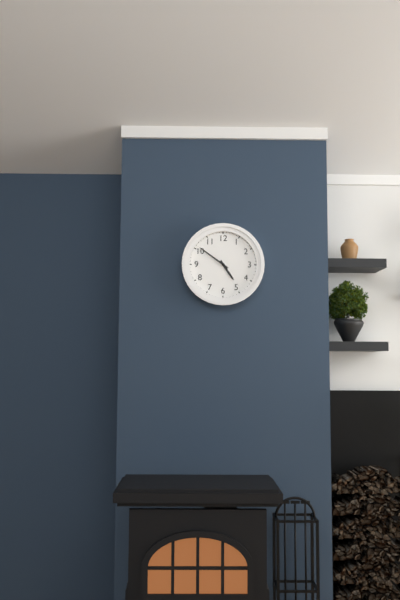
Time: 4h51
